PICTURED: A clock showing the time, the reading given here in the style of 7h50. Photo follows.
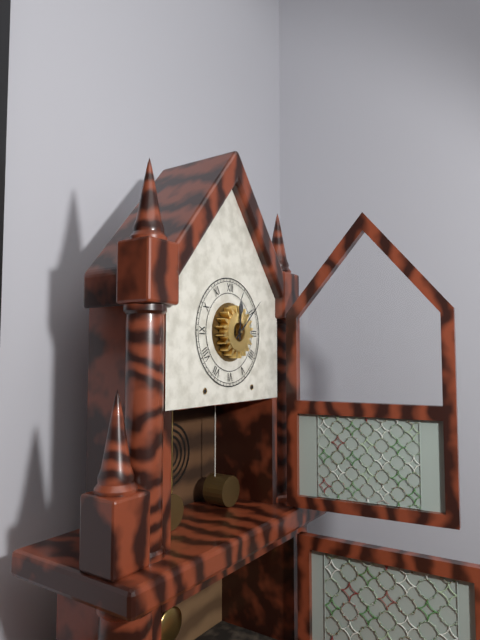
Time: 12h08
